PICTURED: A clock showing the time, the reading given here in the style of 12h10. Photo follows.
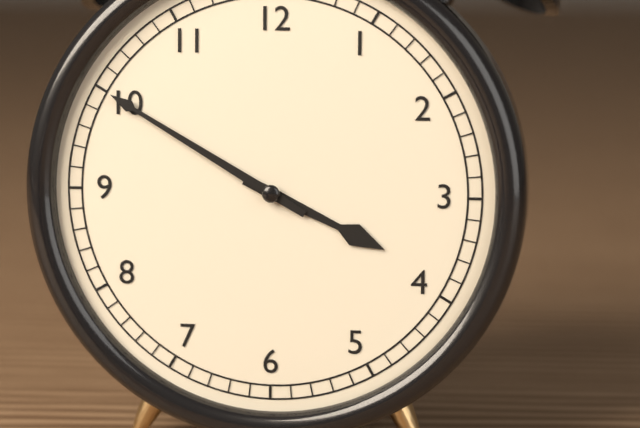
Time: 3h50
